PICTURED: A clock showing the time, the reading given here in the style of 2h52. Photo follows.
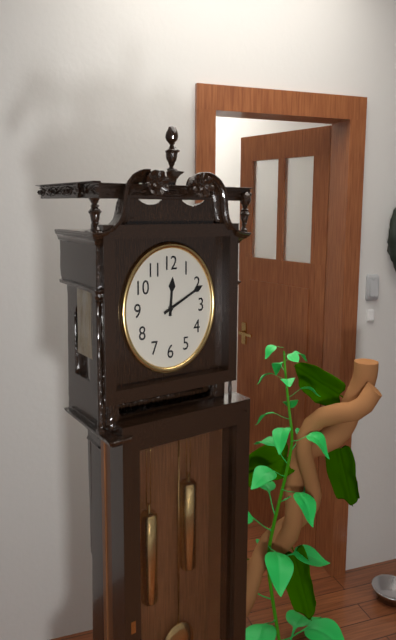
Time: 12h11
